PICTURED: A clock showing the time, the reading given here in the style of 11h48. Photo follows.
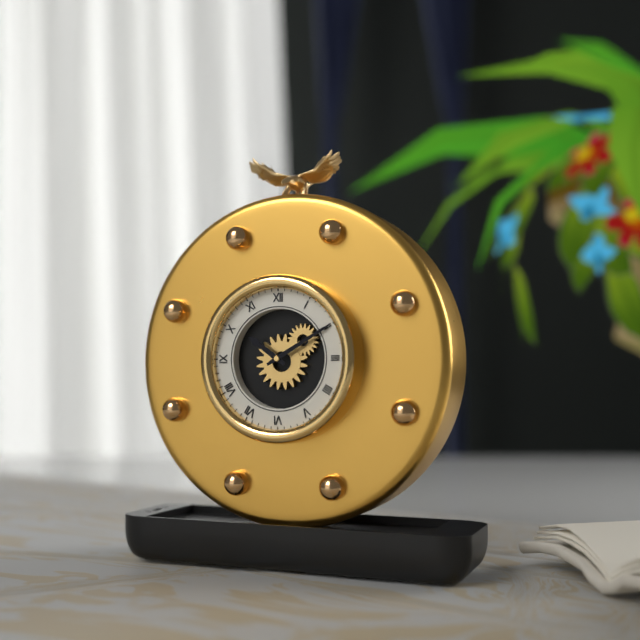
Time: 10h10
